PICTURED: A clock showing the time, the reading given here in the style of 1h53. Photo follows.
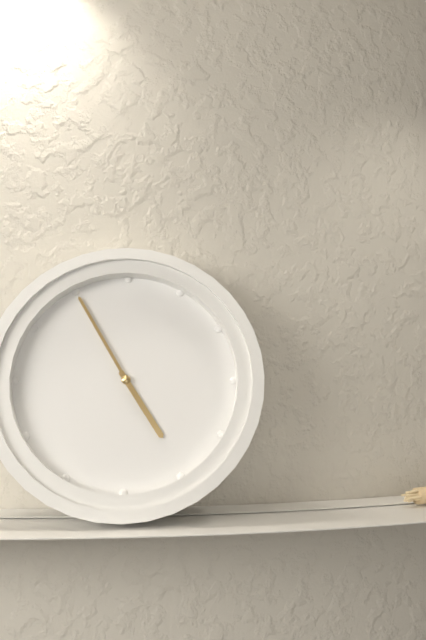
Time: 4h55
